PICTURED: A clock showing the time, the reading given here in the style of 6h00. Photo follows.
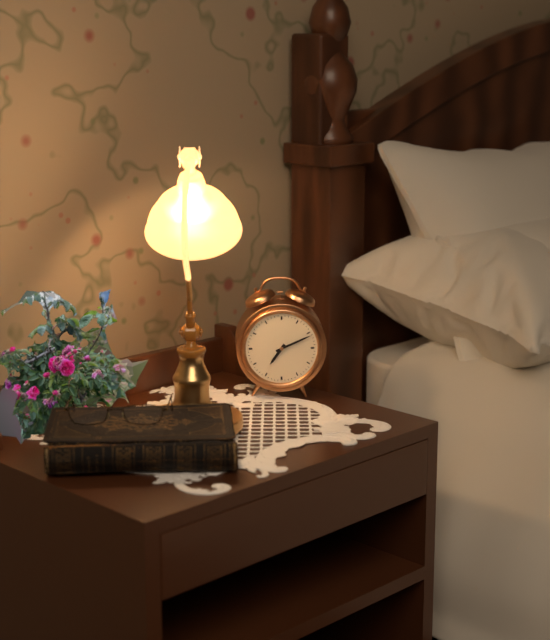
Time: 7h11
